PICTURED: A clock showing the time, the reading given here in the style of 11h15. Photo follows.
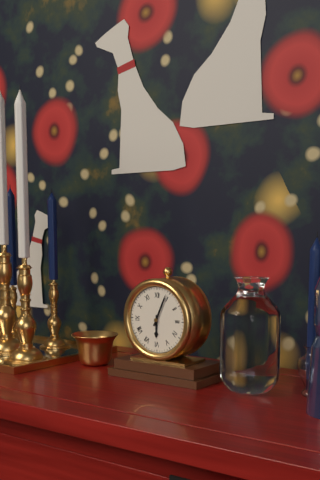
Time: 6h04
